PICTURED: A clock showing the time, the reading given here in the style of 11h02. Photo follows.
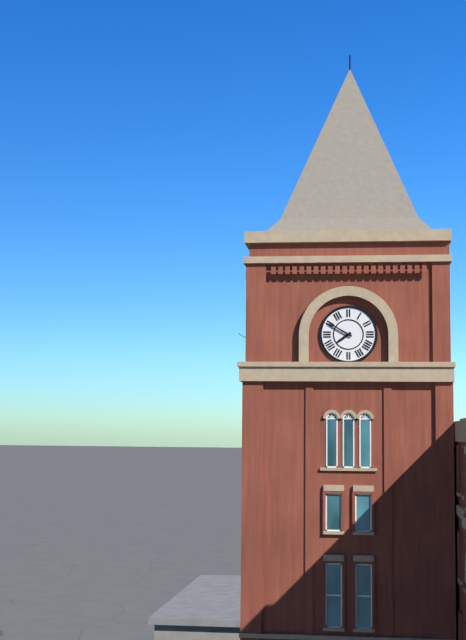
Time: 7h50
